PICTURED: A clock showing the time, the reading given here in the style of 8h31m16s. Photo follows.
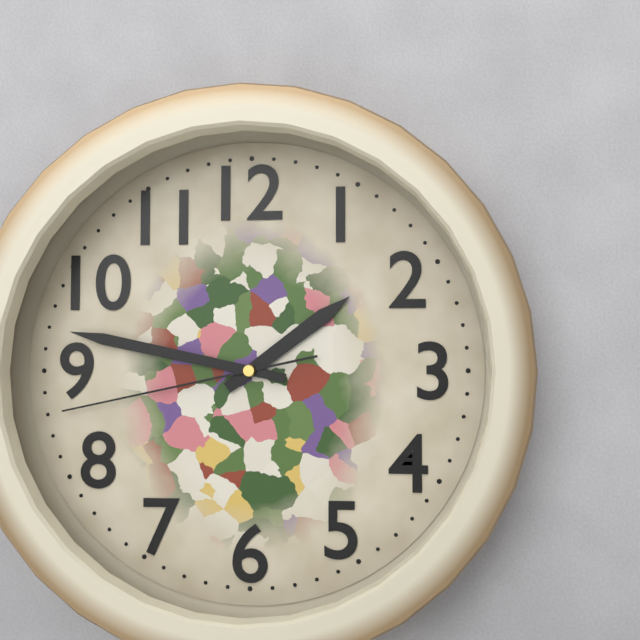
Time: 1h47m43s
